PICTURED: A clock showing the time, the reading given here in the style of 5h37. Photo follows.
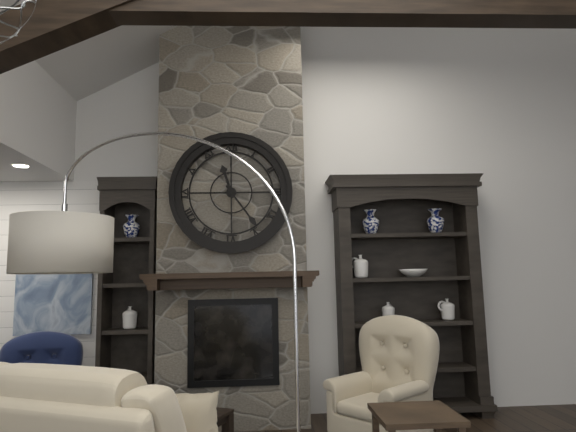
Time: 11h24
